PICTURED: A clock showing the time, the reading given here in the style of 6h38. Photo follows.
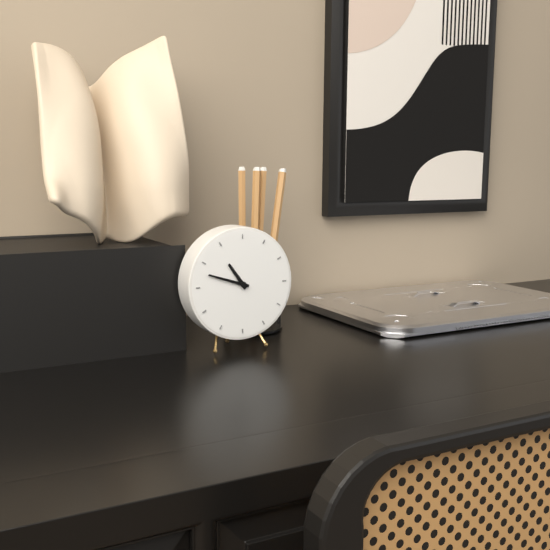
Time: 10h48
